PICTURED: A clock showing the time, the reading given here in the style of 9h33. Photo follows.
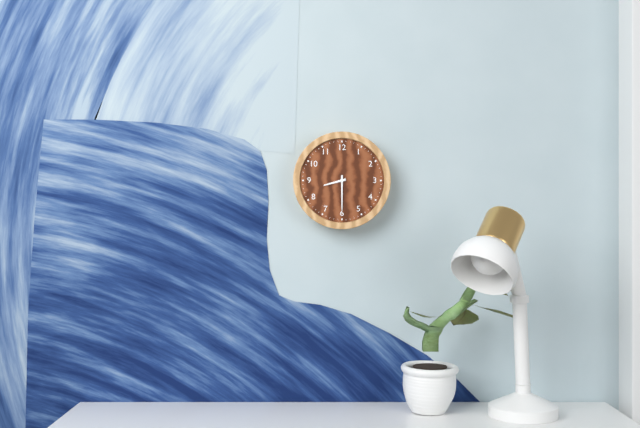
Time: 8h30
